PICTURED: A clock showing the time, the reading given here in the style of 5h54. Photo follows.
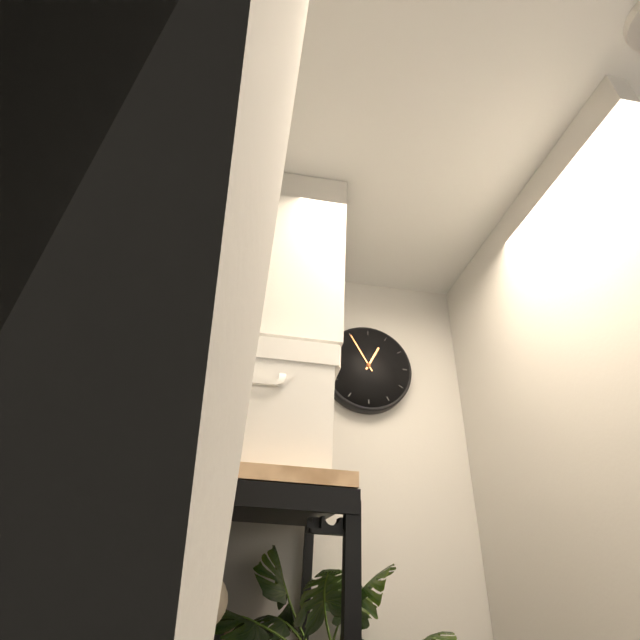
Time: 12h55
